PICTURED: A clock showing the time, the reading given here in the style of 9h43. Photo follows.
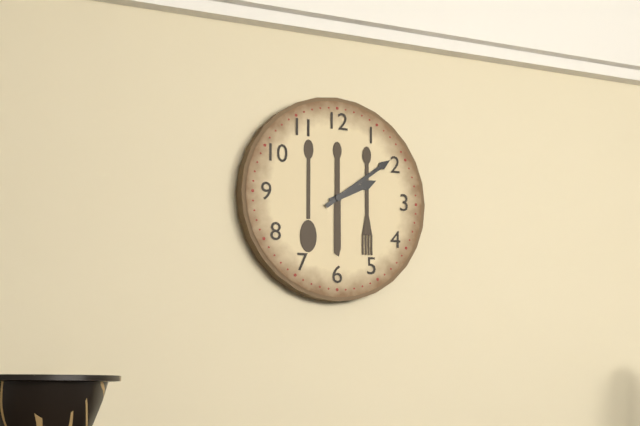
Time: 2h09
